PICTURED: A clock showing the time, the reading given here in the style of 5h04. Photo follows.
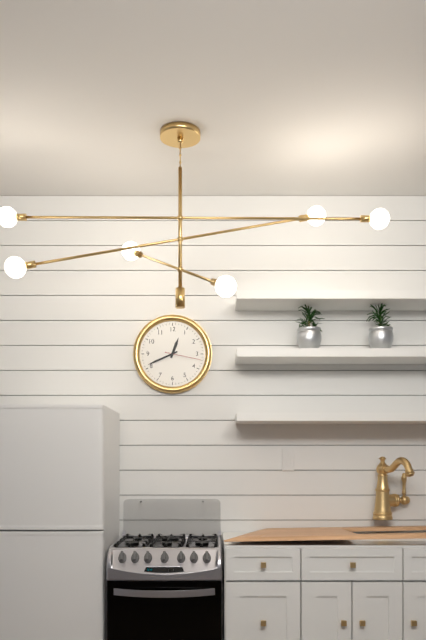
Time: 12h41
